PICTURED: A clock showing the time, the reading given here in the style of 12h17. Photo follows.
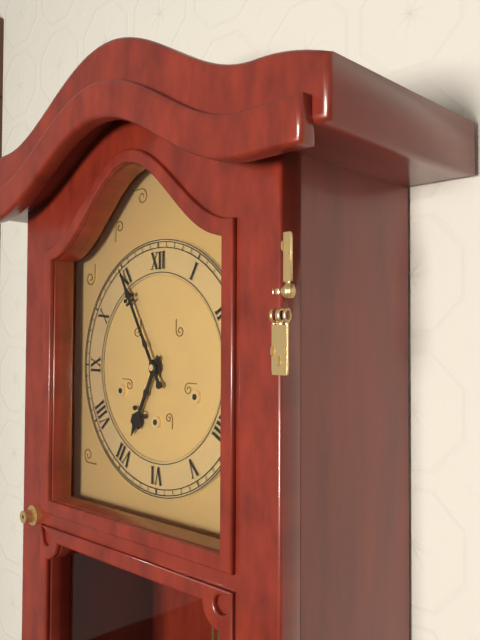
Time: 6h55
